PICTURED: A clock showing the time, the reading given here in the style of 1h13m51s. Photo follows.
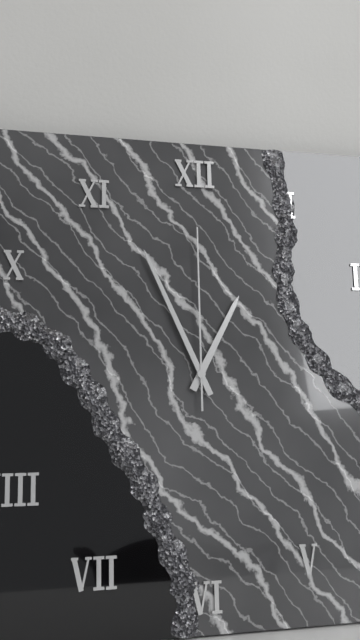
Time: 12h56m00s
